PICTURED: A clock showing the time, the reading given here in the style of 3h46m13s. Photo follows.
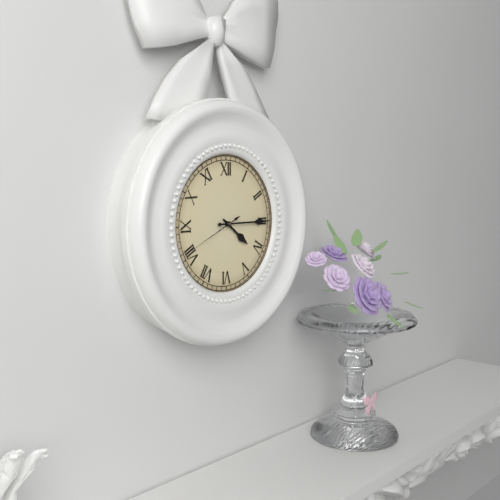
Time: 4h15m41s
